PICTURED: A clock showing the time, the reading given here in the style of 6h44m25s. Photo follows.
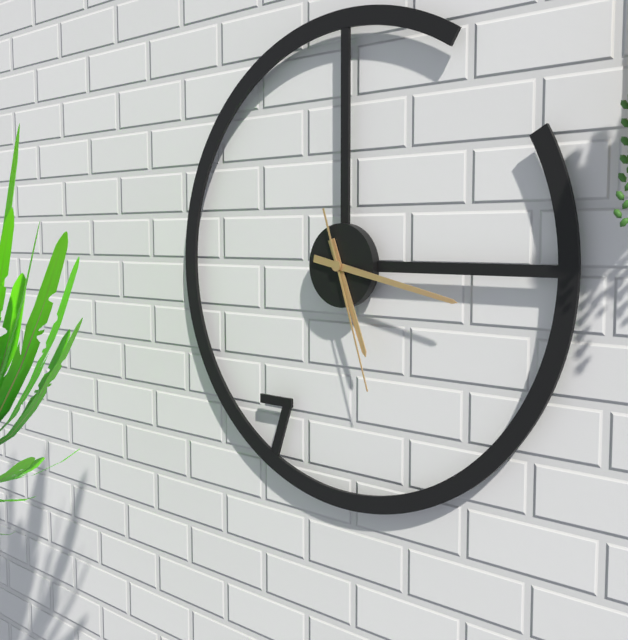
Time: 5h17m27s
